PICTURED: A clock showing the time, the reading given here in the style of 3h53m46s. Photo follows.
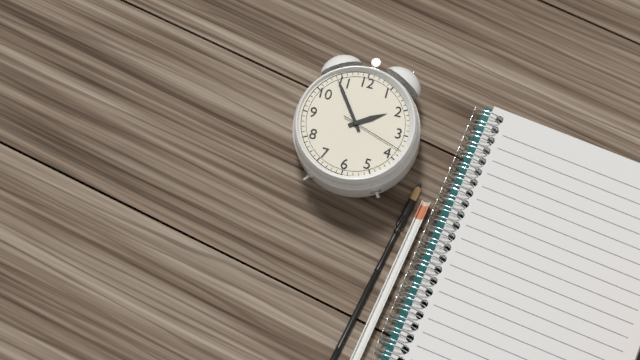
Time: 1h54m18s
